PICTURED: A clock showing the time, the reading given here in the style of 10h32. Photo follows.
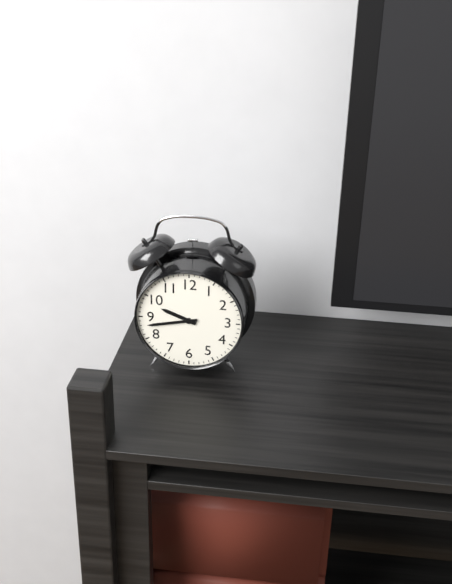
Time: 9h43
